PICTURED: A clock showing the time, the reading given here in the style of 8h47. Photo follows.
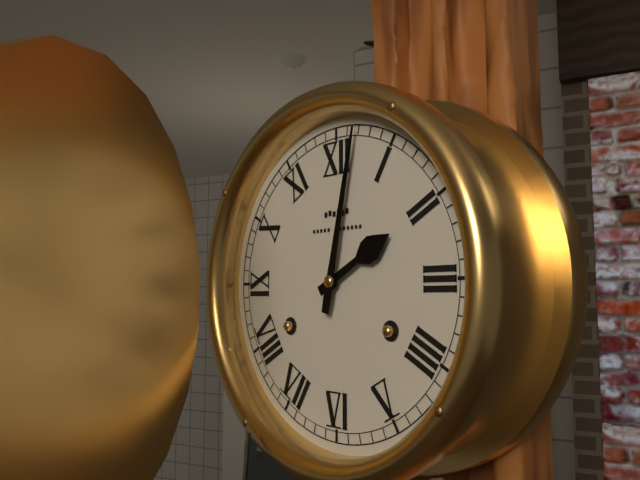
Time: 2h02
